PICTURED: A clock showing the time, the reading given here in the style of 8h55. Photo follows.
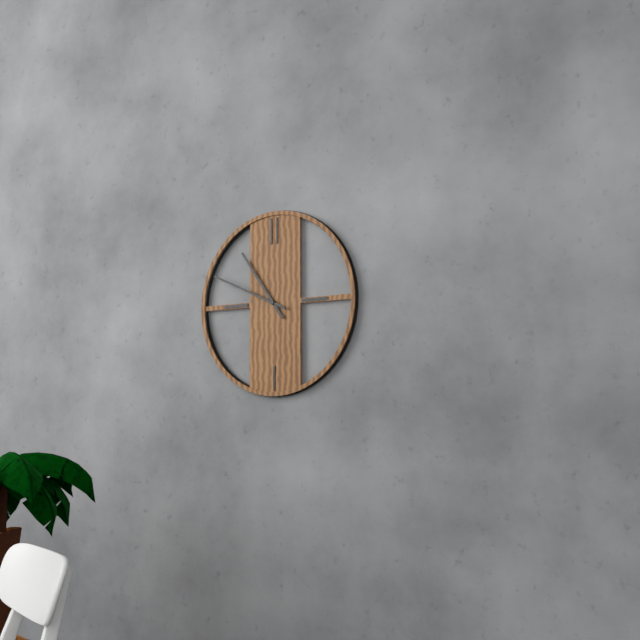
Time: 10h49
